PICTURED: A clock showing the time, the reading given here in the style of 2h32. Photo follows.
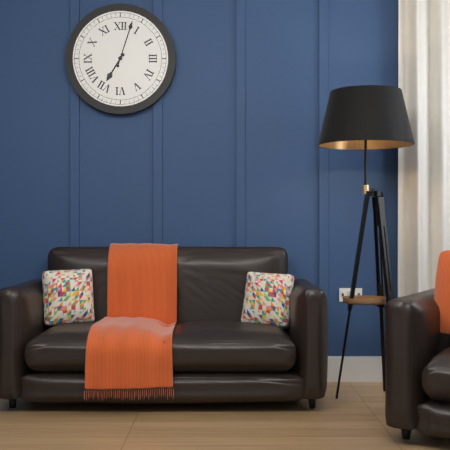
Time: 7h03
